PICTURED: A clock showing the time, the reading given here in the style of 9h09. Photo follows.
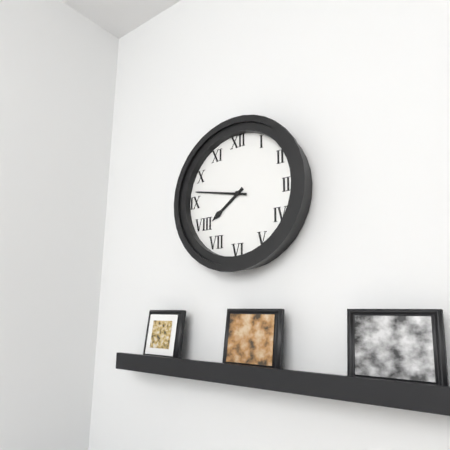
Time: 7h47
